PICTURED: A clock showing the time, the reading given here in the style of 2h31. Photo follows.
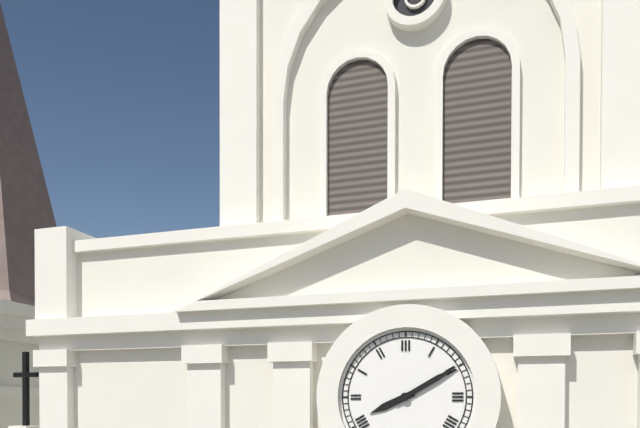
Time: 8h10
